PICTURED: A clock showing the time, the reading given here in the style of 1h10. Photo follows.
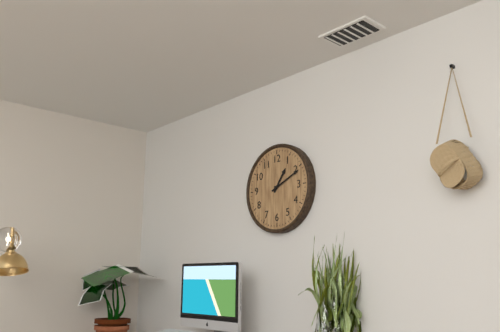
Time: 1h11
